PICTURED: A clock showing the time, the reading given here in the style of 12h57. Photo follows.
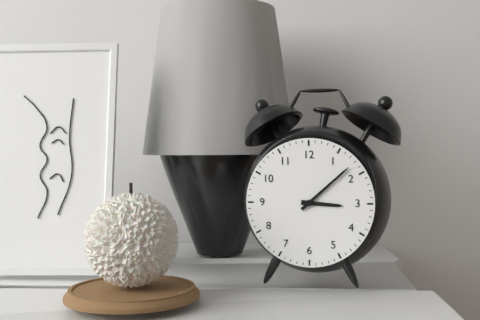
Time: 3h08
